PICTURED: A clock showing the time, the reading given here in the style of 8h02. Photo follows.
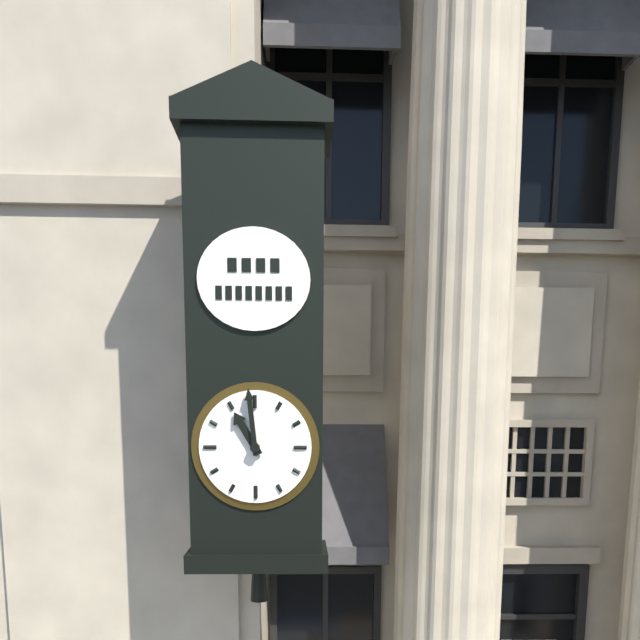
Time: 10h59
